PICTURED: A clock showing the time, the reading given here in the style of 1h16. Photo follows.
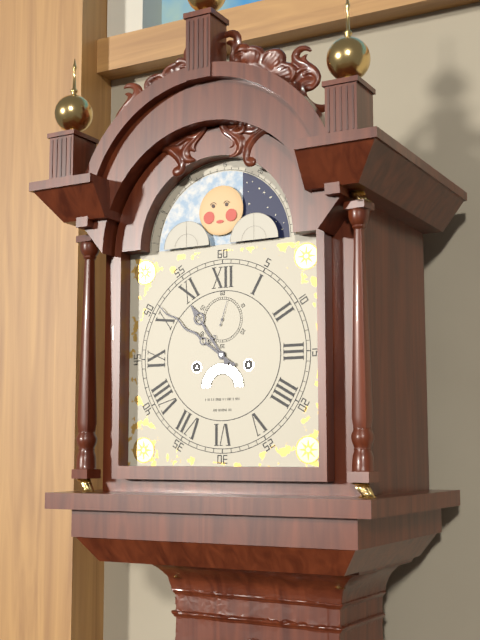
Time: 10h51
